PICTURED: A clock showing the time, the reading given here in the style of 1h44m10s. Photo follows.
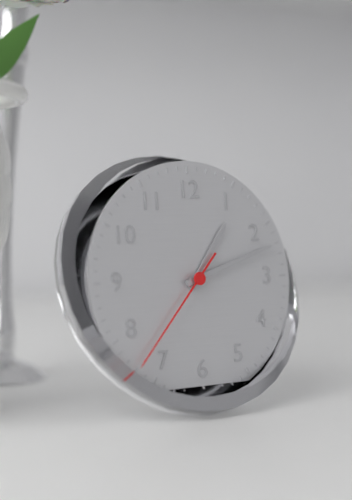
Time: 1h12m37s
